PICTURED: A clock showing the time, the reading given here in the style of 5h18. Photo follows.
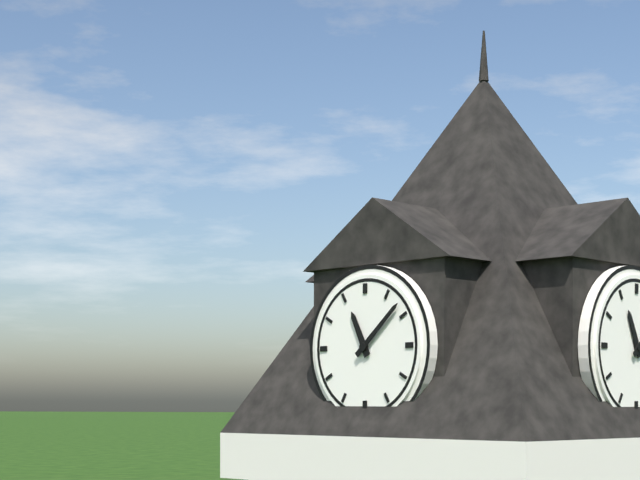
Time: 11h08
